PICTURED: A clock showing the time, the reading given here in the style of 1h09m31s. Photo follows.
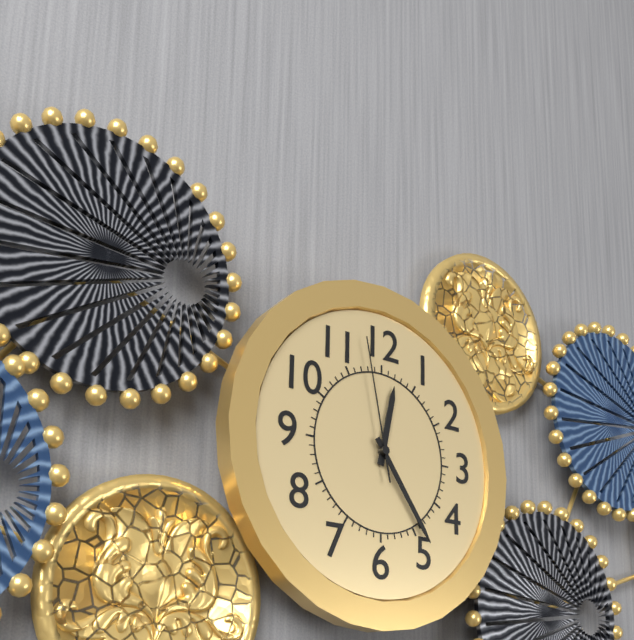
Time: 12h24m58s
